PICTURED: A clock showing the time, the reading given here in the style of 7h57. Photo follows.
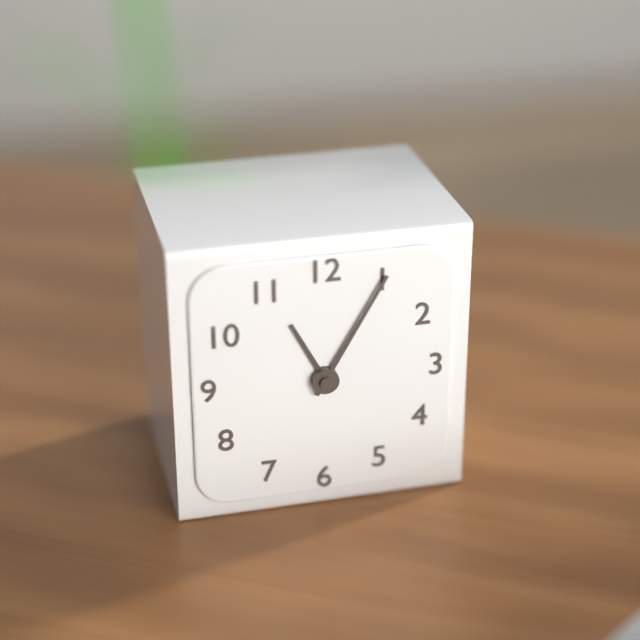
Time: 11h05
